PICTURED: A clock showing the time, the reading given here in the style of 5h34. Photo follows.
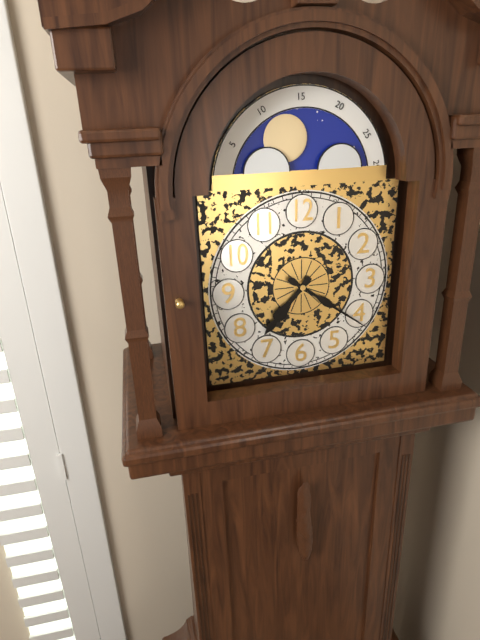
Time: 7h21
